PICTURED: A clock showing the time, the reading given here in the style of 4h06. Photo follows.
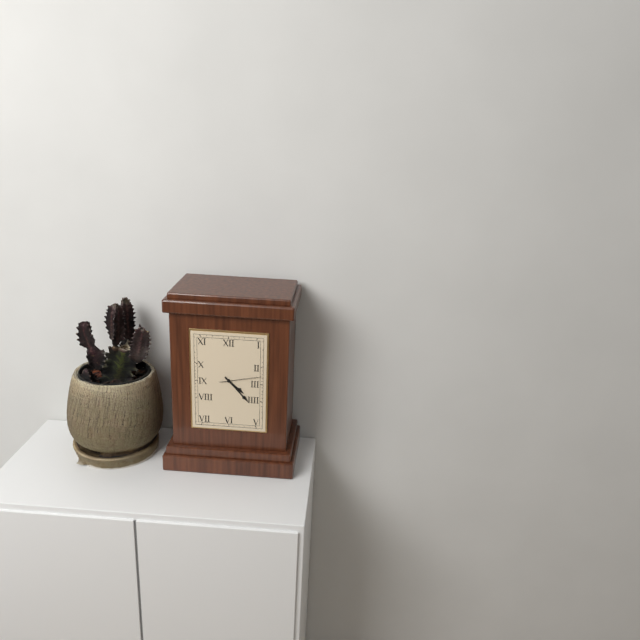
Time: 4h23
